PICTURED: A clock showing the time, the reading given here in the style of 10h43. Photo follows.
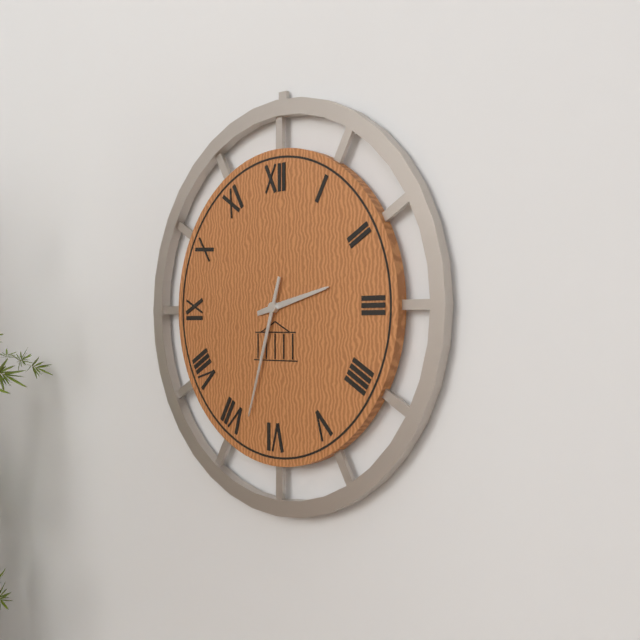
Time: 2h33
